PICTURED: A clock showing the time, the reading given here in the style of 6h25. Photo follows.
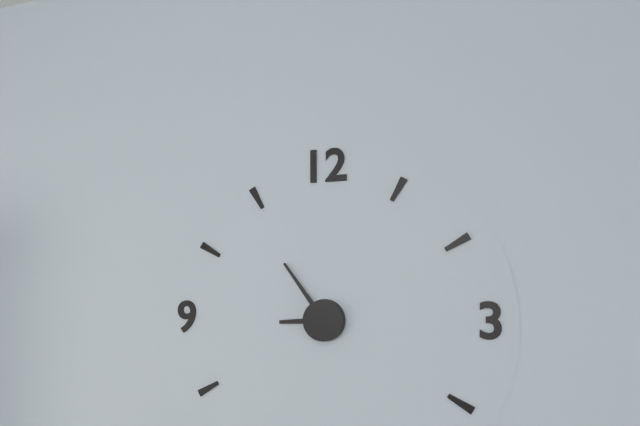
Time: 8h54
